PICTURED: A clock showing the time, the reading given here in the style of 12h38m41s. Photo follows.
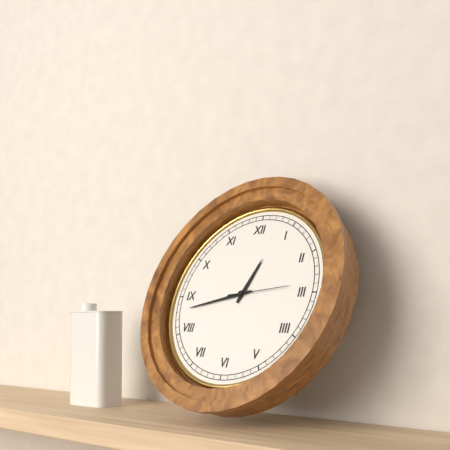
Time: 12h43m14s
